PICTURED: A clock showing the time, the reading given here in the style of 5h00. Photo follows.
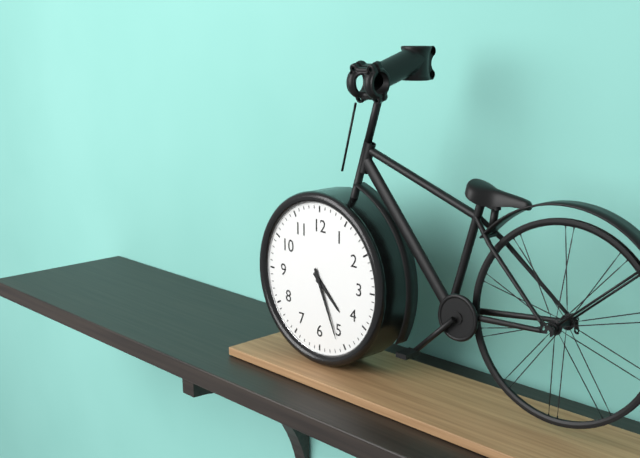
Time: 4h26
